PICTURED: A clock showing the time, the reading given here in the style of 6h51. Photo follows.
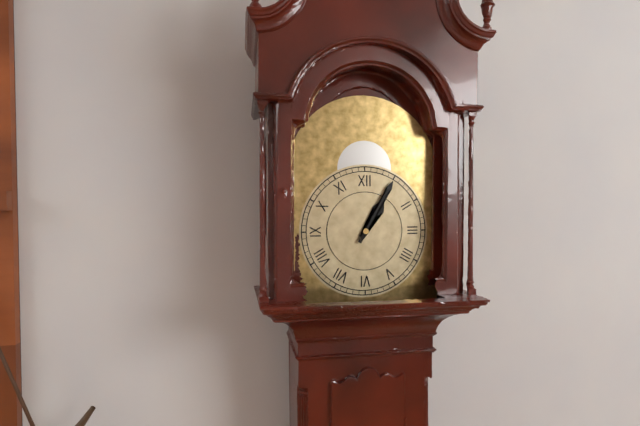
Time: 1h05
